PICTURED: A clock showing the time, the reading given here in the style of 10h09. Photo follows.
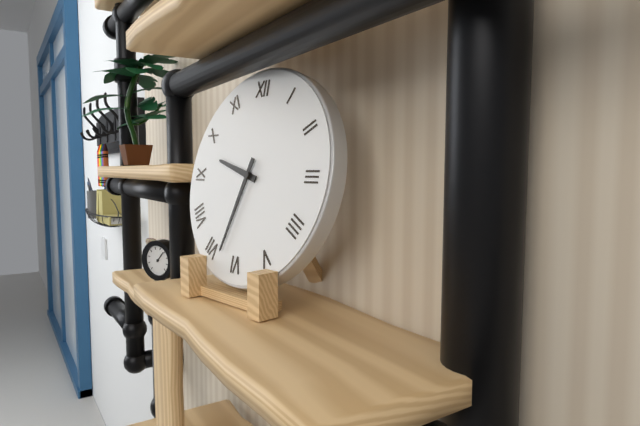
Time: 9h33
